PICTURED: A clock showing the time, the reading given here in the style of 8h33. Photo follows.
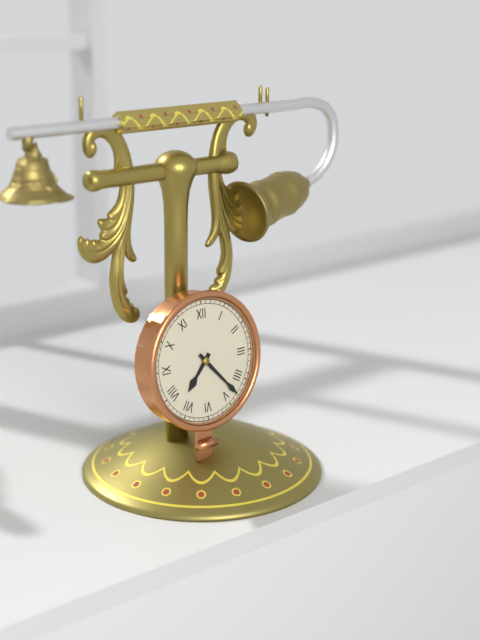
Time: 7h23
